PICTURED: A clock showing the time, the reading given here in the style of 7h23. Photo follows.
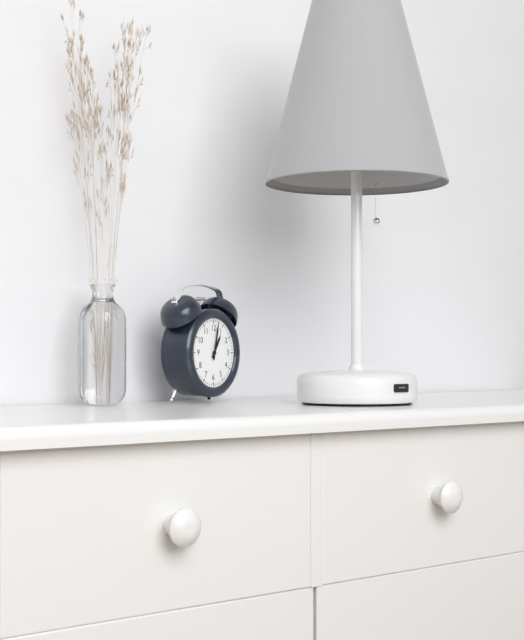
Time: 1h02
